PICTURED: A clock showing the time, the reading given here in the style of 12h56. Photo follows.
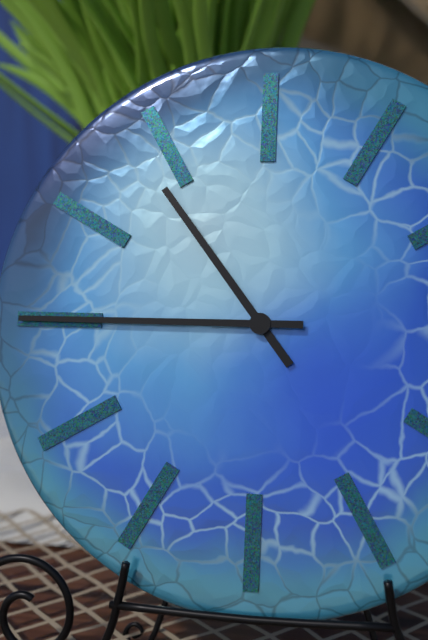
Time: 10h45
